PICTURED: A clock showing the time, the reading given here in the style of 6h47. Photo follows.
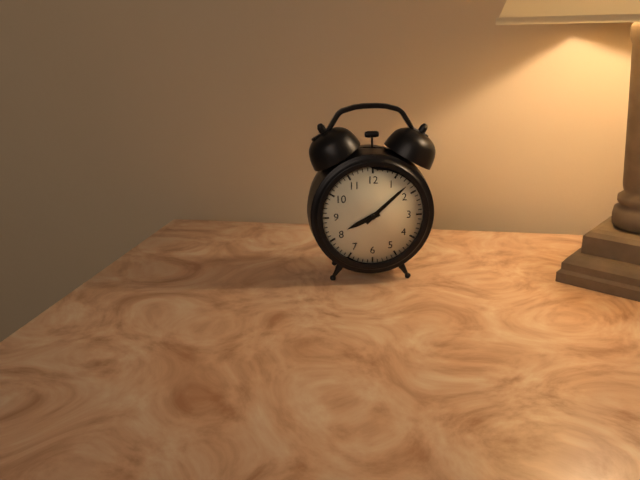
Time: 8h08
